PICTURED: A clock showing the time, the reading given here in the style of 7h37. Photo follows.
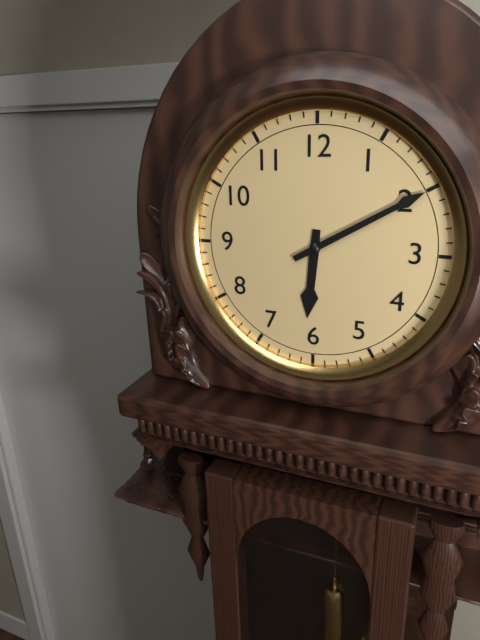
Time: 6h10
